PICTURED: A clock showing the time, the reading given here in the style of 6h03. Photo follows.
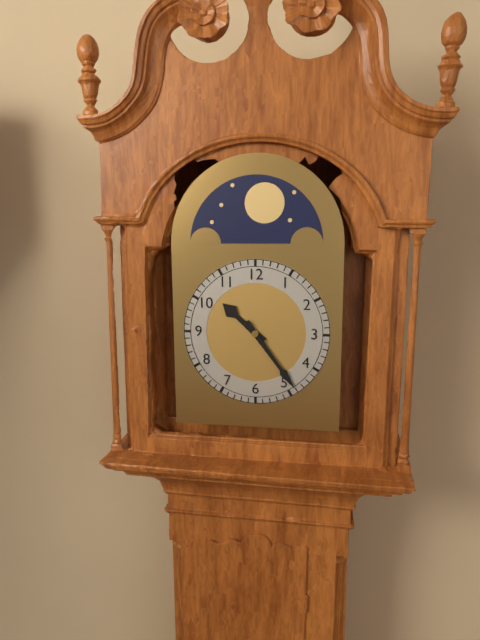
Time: 10h24
